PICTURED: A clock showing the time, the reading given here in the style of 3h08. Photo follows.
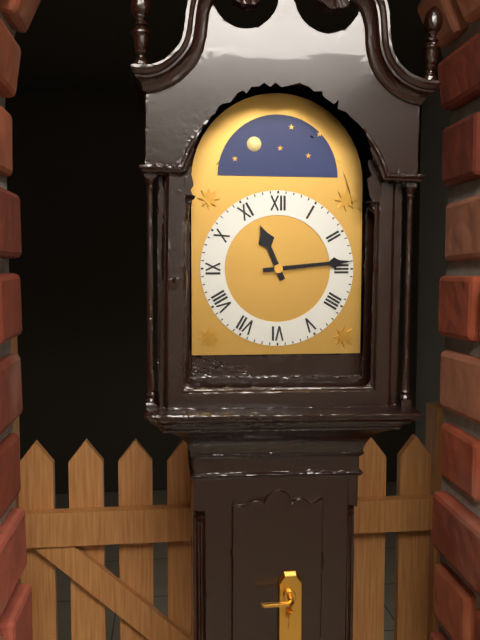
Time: 11h14
